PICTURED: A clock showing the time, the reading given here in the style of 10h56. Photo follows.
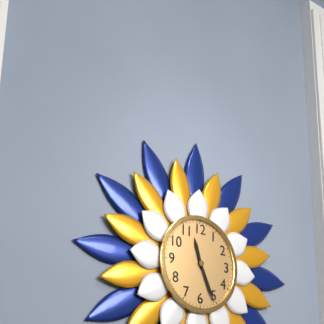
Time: 11h26
